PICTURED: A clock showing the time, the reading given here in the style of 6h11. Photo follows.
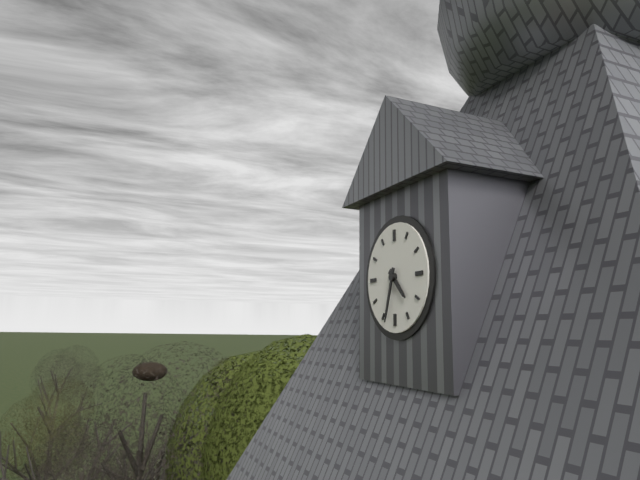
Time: 4h33
